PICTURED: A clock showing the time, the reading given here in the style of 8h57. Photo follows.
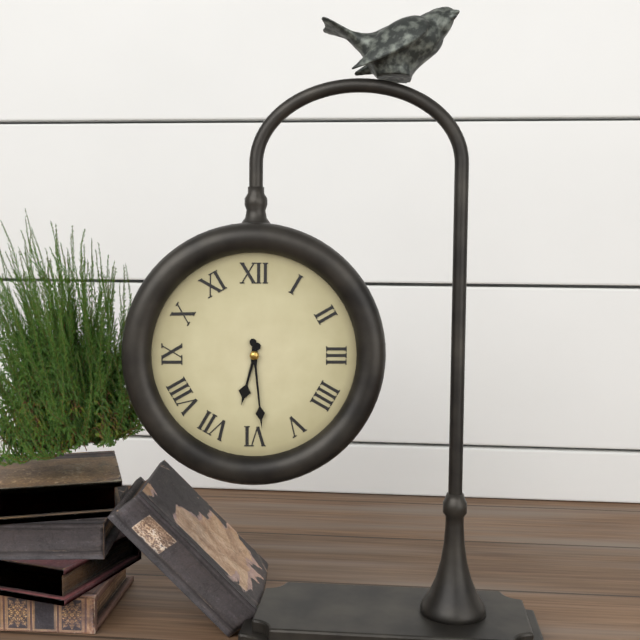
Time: 6h29
